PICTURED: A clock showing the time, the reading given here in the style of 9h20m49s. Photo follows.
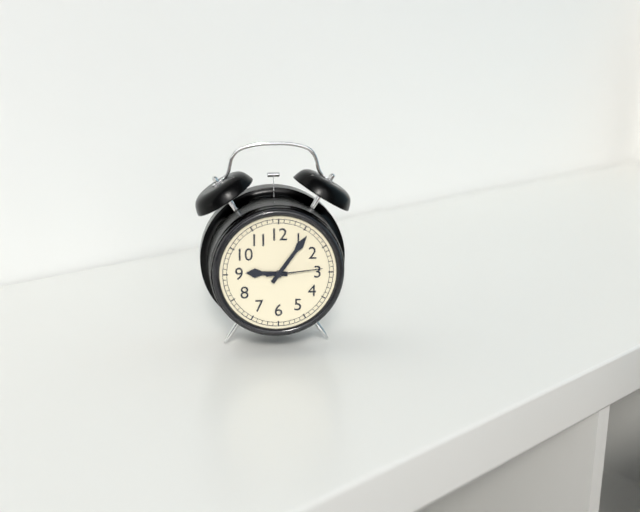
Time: 9h06m14s
